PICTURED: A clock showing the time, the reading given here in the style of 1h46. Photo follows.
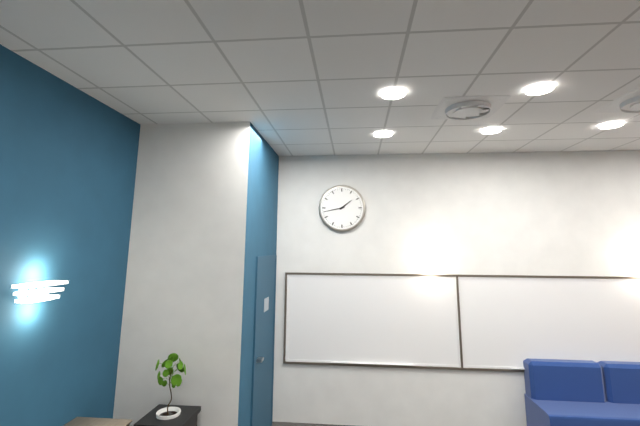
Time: 1h43
